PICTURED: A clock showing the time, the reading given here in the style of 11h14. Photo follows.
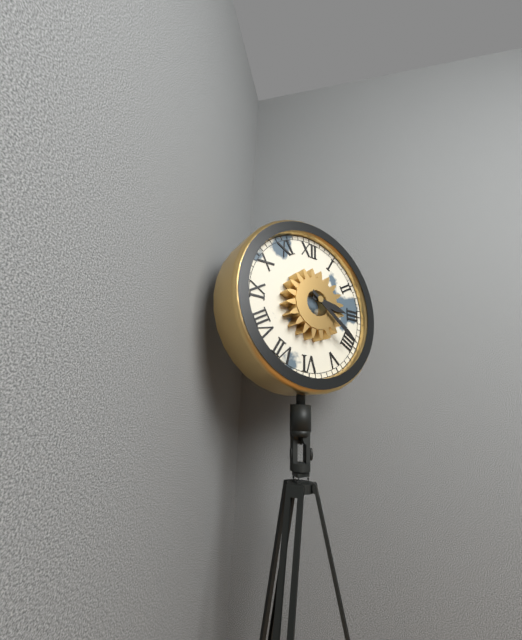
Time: 3h21
